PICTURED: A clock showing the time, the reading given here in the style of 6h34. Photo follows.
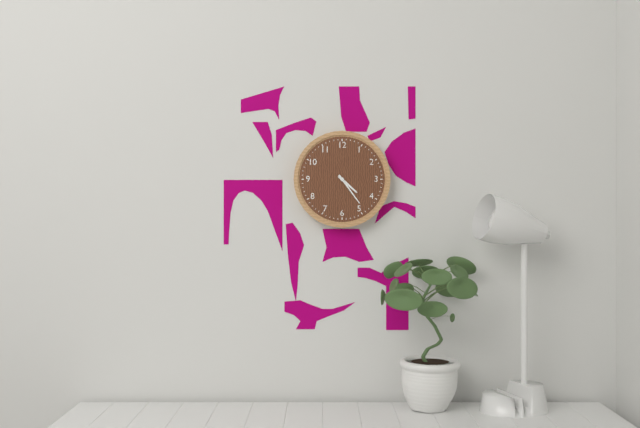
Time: 4h24
